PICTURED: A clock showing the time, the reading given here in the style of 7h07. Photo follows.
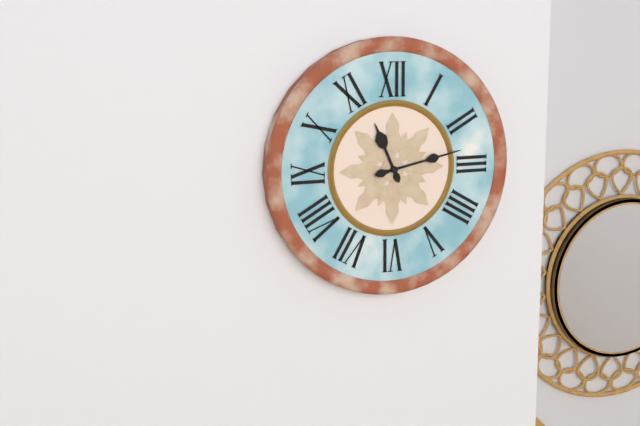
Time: 11h13
